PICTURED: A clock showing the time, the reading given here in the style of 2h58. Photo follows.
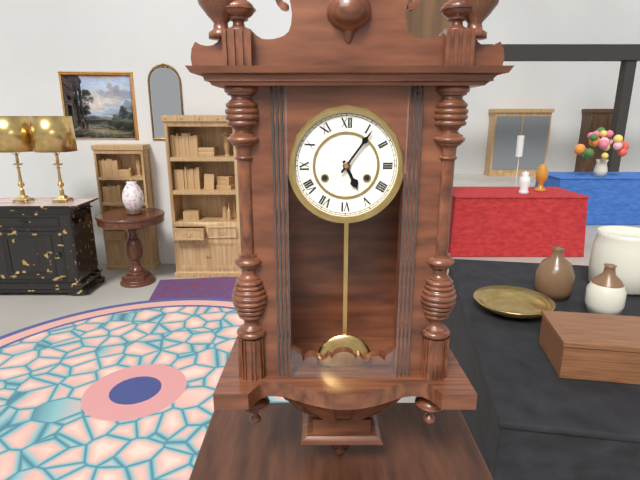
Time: 5h06
